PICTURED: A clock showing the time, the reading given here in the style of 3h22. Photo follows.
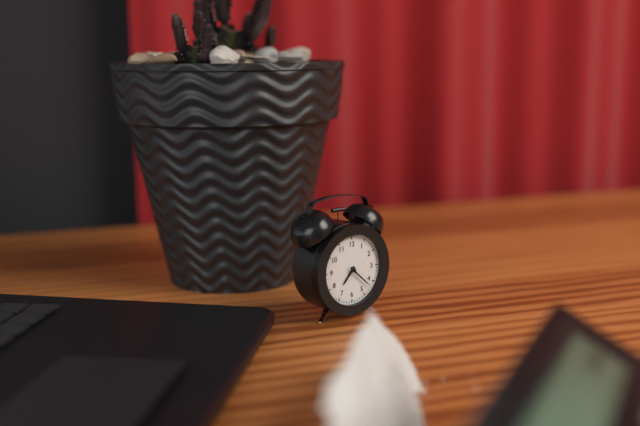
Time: 7h22
